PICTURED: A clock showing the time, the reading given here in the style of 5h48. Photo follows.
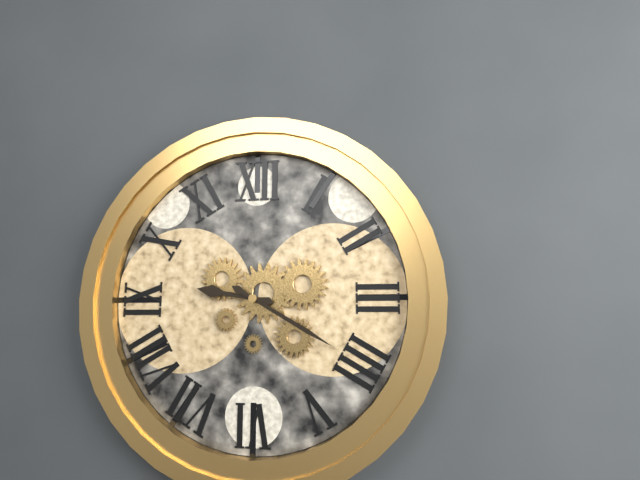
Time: 9h20
